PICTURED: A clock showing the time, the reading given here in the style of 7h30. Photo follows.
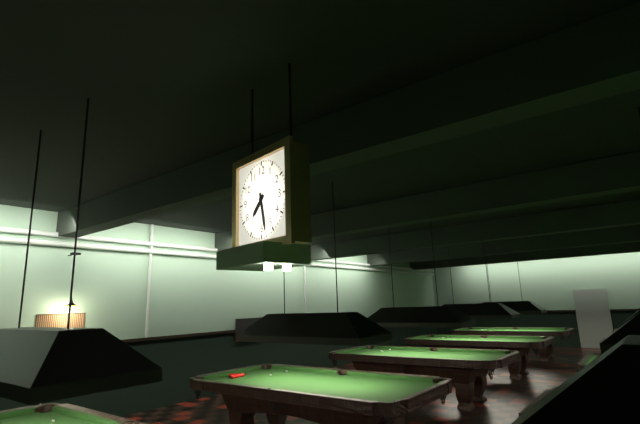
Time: 7h28
